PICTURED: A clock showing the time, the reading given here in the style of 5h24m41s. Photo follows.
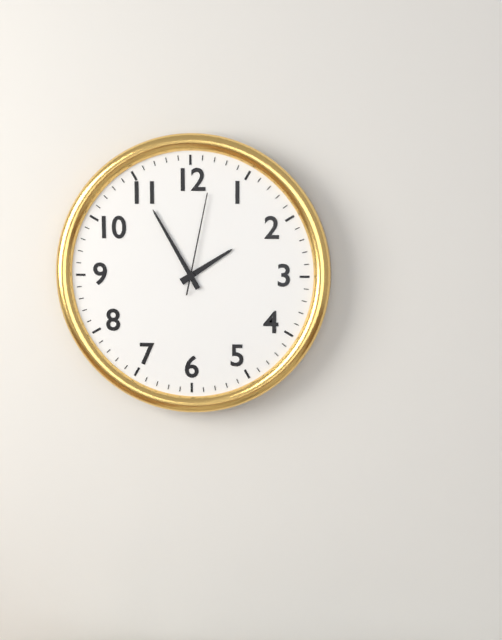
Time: 1h55m02s
